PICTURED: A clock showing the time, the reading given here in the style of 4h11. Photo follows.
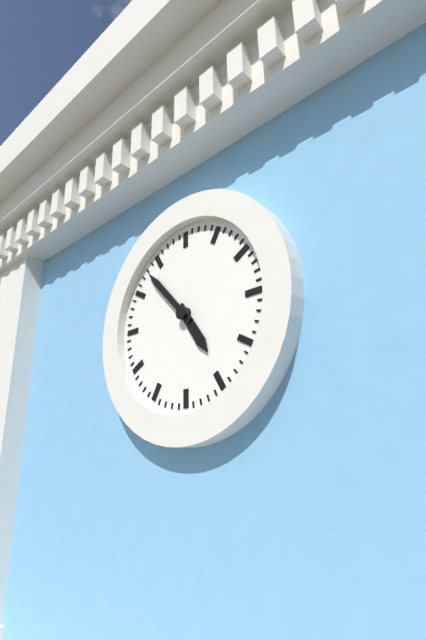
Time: 4h53
